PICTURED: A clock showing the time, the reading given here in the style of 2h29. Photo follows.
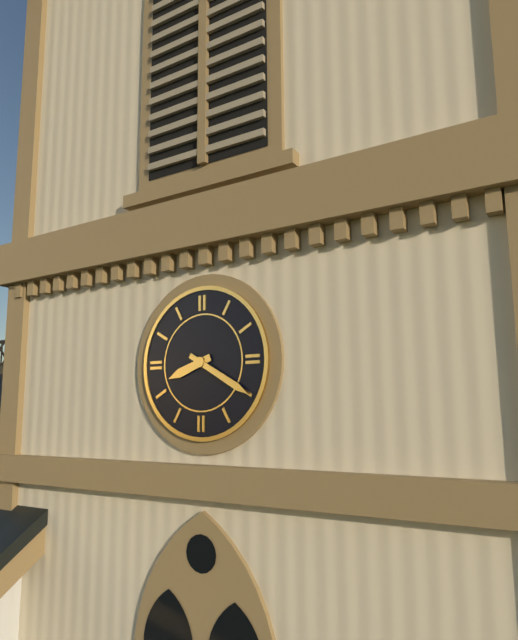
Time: 8h20
